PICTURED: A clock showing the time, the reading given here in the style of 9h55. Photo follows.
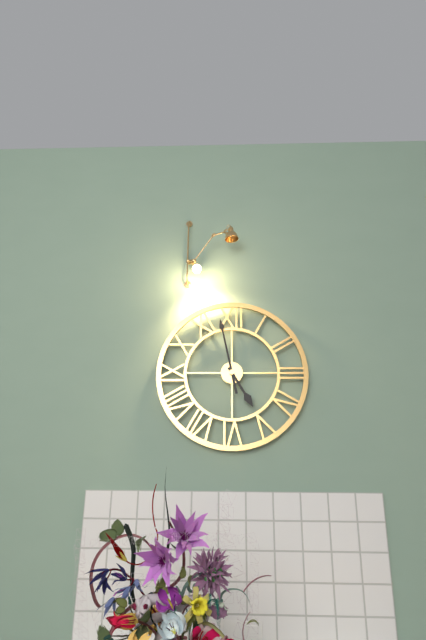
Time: 4h58
